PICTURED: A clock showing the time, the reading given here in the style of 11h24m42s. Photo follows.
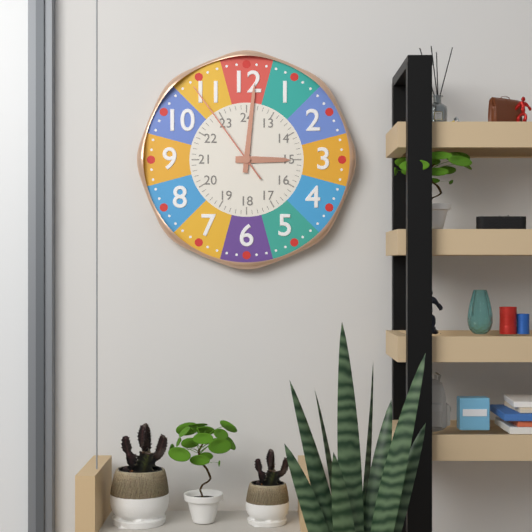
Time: 3h01m54s
